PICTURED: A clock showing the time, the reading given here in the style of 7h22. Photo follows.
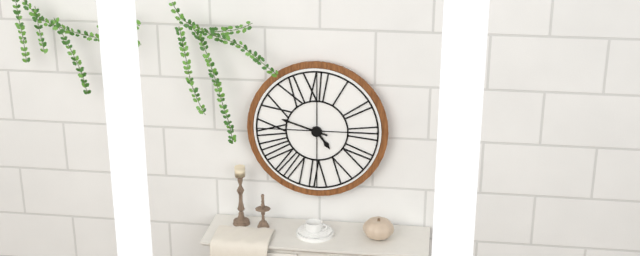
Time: 4h48
